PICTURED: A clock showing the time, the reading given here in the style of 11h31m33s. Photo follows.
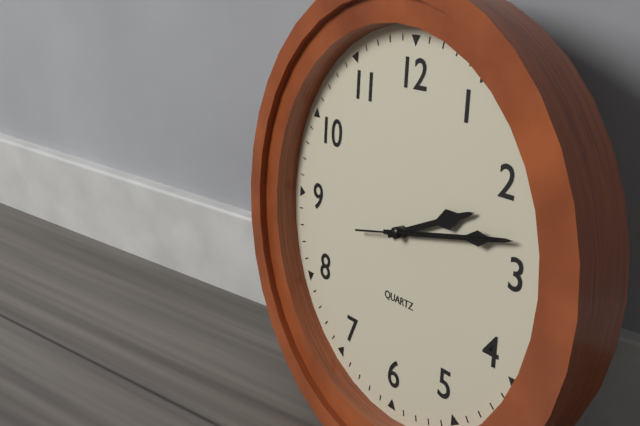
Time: 2h13m13s
